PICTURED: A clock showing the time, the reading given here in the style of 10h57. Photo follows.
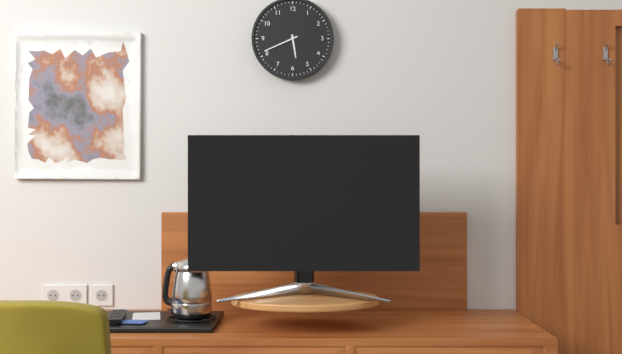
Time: 5h41
